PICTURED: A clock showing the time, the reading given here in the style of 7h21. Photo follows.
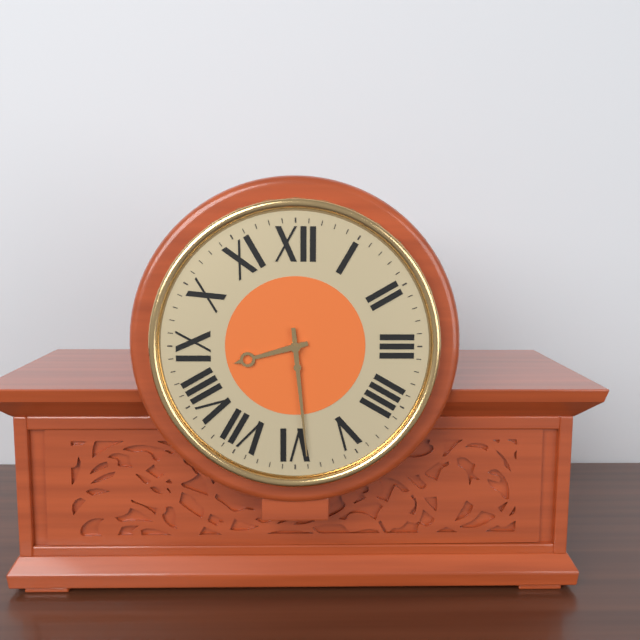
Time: 8h29
